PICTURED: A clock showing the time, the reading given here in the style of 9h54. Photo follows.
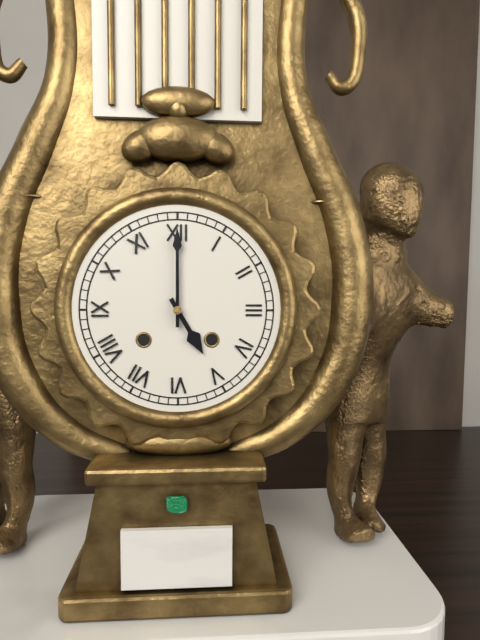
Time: 5h00
